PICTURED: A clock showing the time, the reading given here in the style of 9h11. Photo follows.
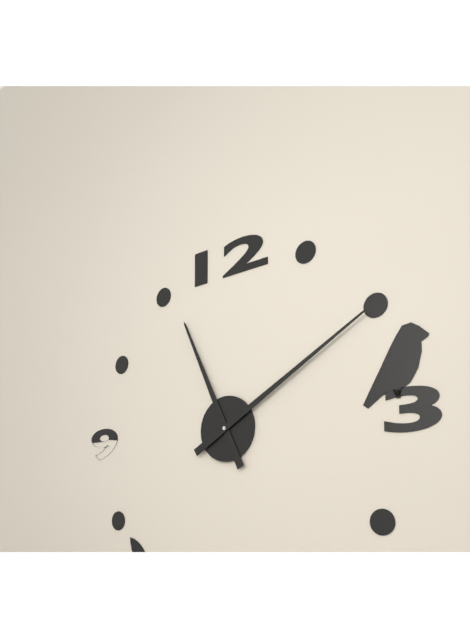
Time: 11h10
